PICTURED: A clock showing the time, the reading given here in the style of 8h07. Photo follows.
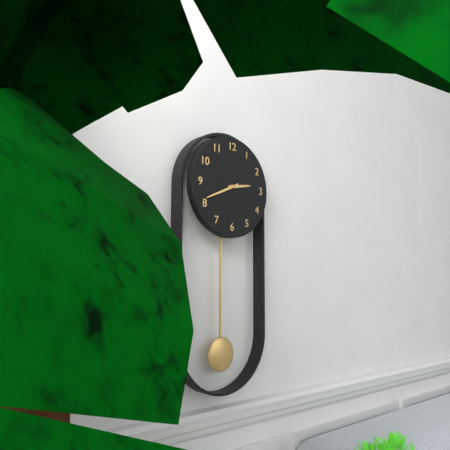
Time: 2h41
